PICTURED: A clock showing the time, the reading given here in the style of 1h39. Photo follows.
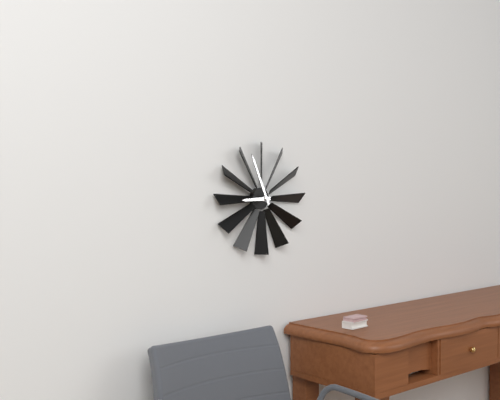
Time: 8h56
